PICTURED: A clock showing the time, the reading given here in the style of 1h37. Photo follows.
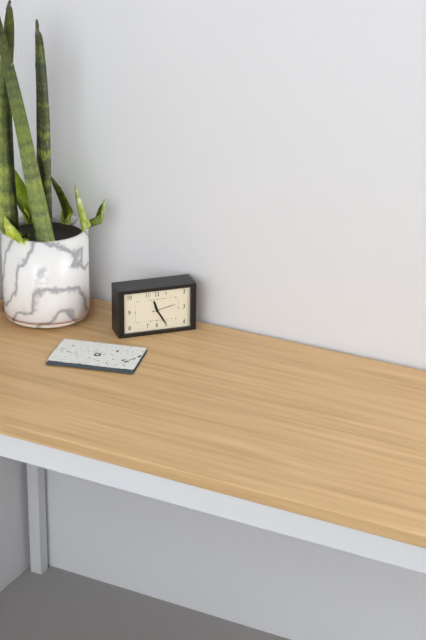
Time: 11h25
